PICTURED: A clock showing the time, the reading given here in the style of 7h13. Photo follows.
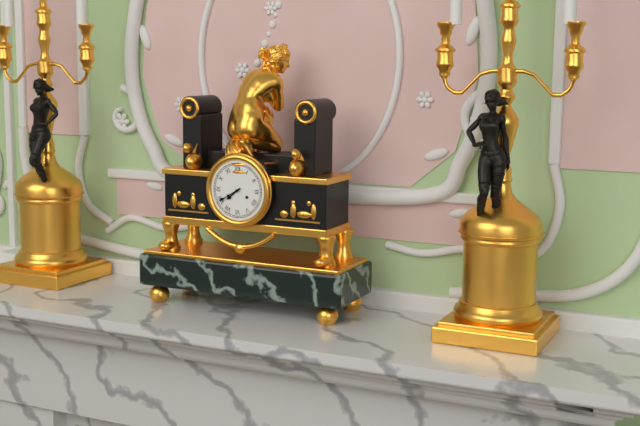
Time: 7h40
